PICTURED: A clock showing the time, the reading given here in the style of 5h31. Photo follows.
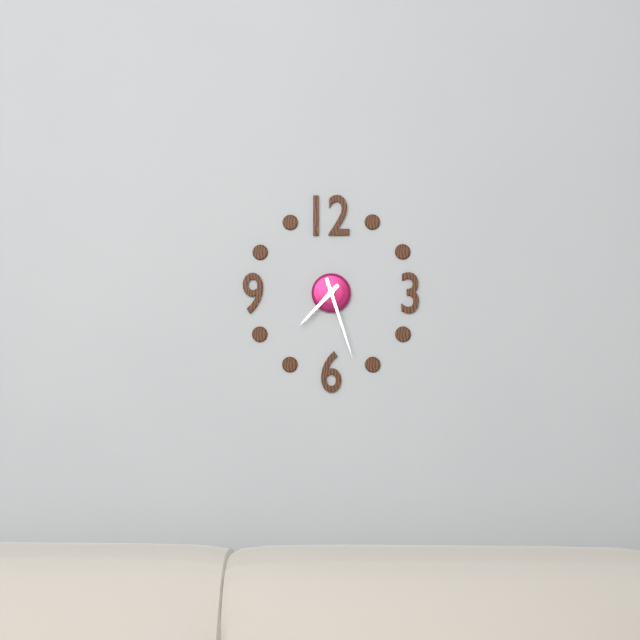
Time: 7h27
